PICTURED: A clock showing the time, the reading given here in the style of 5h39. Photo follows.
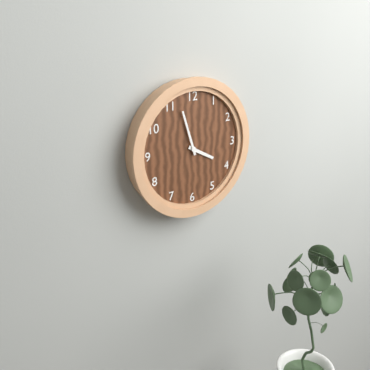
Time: 3h57
